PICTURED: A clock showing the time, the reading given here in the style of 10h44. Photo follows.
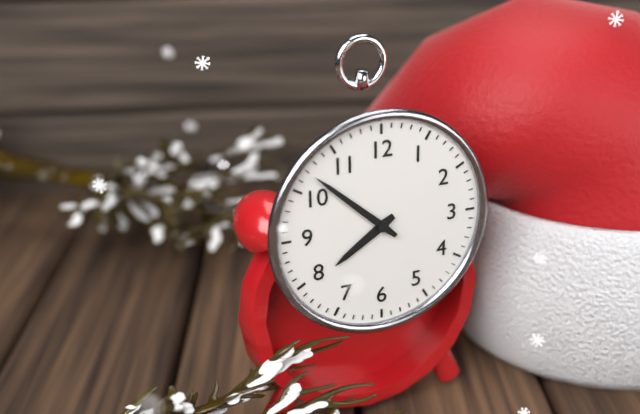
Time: 7h52
